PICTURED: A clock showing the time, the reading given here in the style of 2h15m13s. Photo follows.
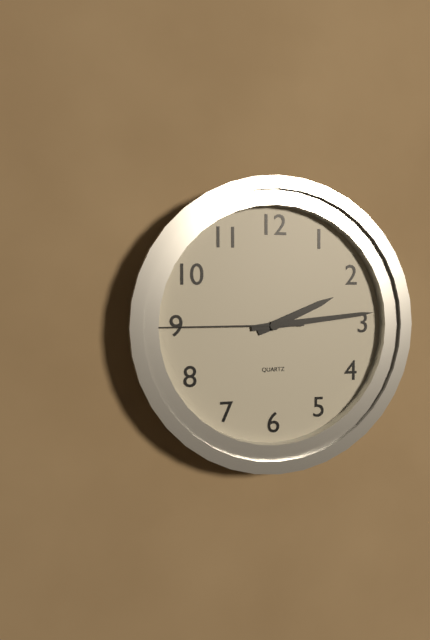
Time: 2h14m45s
